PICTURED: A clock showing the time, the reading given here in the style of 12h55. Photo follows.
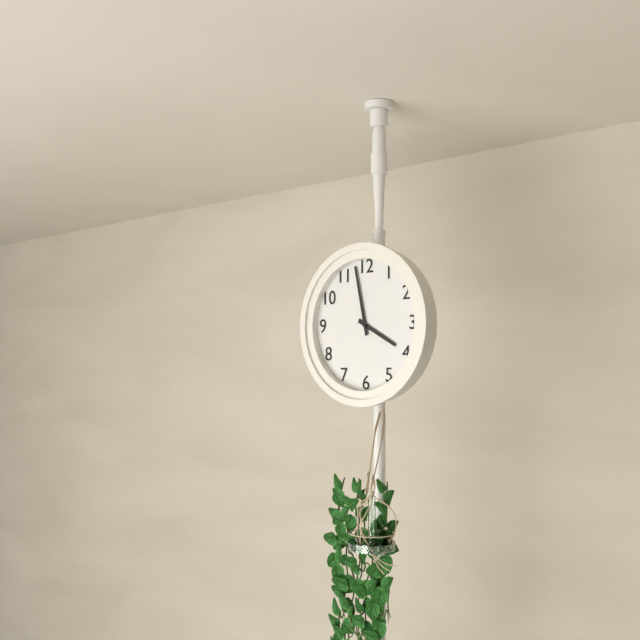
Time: 3h58
